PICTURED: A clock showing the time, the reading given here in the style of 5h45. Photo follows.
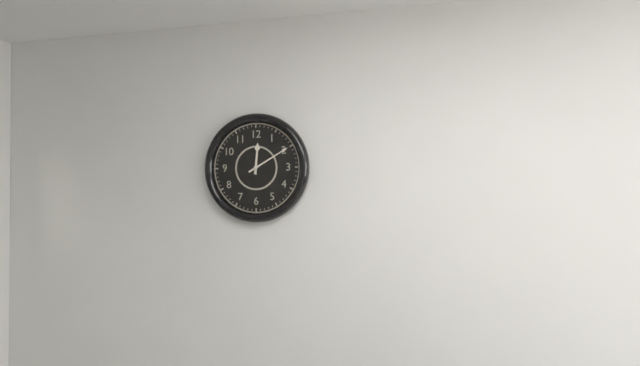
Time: 12h10
